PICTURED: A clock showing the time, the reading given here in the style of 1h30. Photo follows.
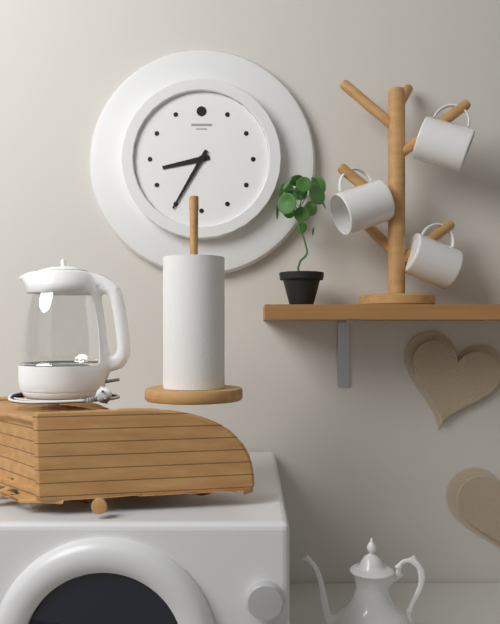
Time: 8h35
